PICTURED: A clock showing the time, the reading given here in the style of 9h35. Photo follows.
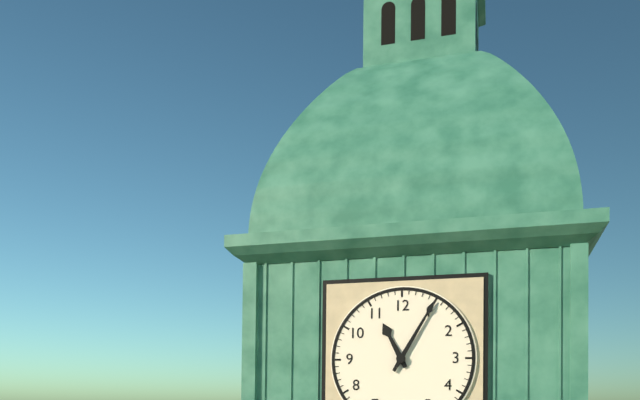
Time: 11h05
